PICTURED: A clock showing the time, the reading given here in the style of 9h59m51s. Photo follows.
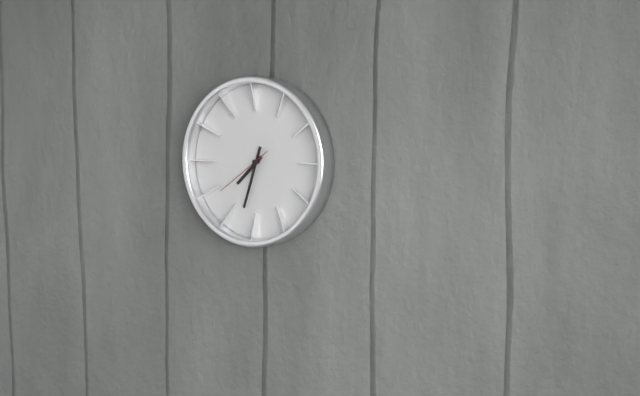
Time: 7h33m39s
